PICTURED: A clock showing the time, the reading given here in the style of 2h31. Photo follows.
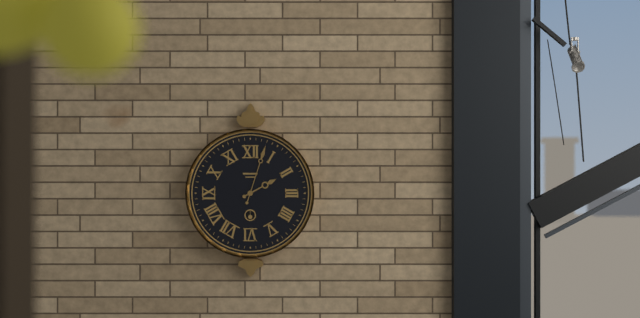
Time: 2h03
